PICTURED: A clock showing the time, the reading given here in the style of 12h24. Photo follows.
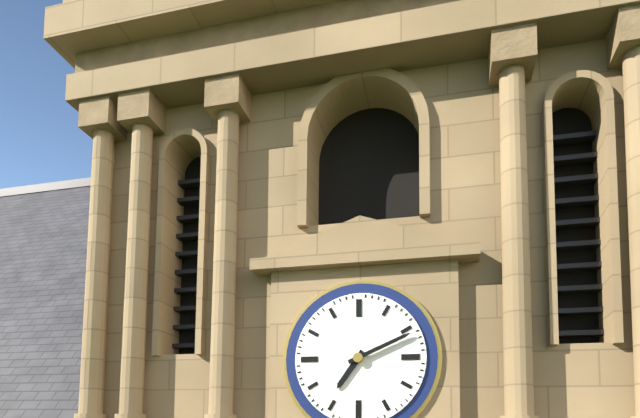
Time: 7h11
